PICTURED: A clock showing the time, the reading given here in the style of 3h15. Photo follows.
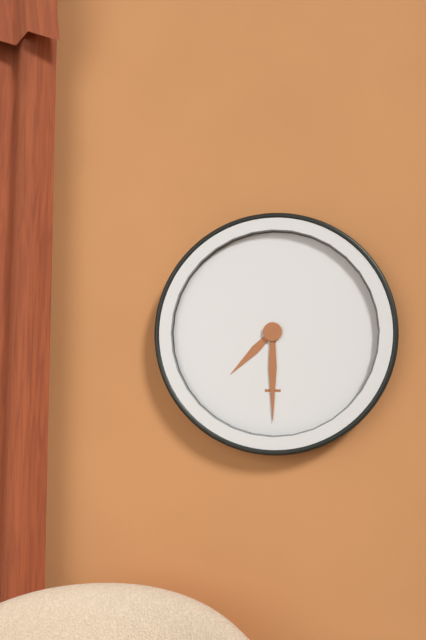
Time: 7h30
